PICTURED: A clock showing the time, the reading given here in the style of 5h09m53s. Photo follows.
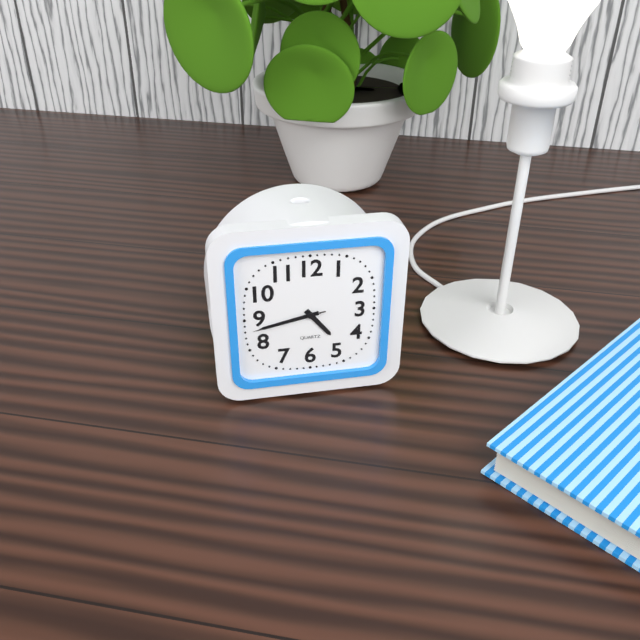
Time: 4h43m43s
